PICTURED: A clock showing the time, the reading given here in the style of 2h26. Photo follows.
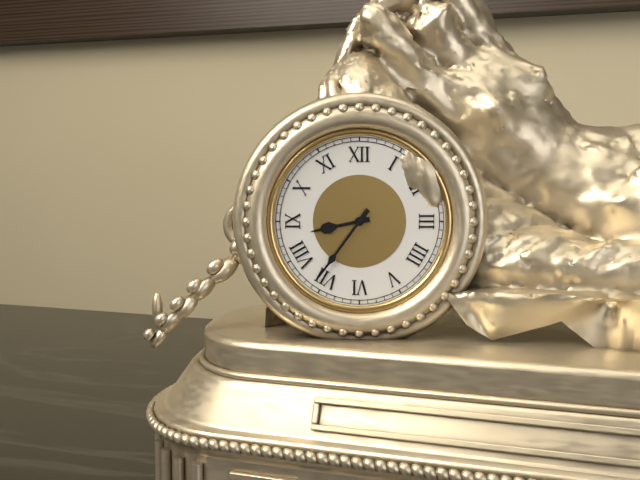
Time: 8h36
